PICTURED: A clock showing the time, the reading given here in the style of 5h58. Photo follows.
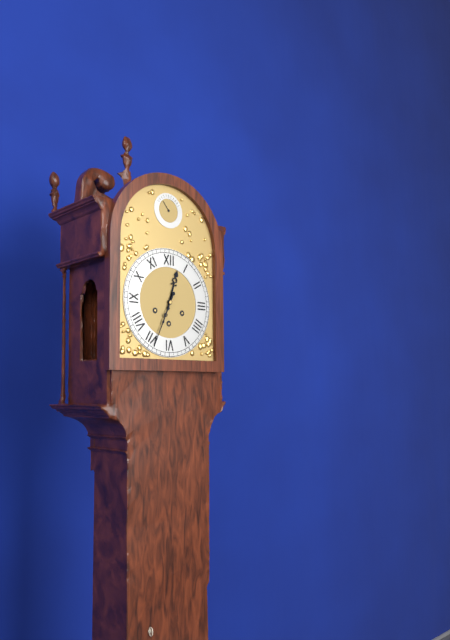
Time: 12h34
